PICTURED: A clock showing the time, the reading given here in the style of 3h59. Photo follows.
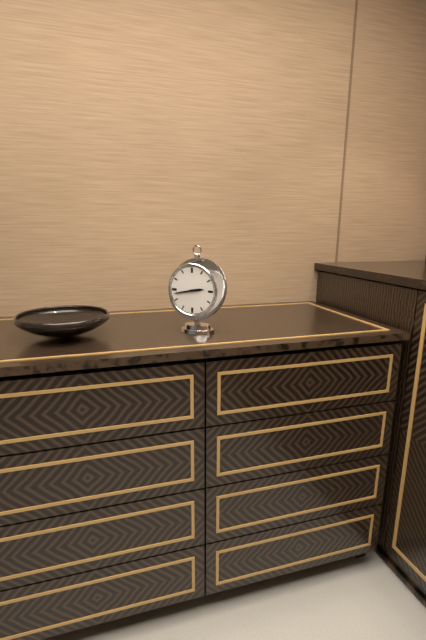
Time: 2h43
